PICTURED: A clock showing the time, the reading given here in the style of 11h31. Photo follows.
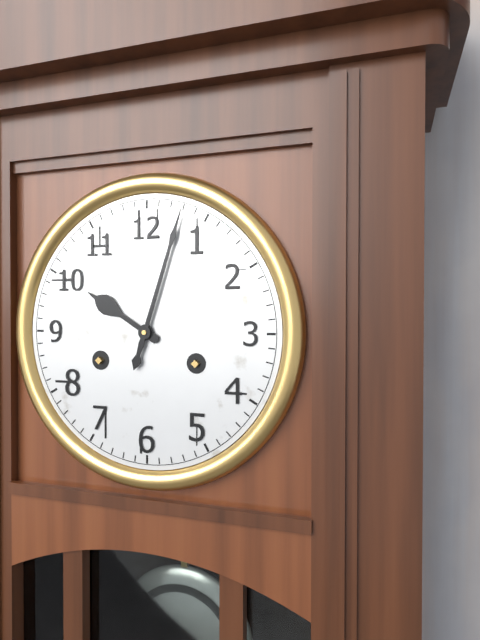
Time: 10h03
